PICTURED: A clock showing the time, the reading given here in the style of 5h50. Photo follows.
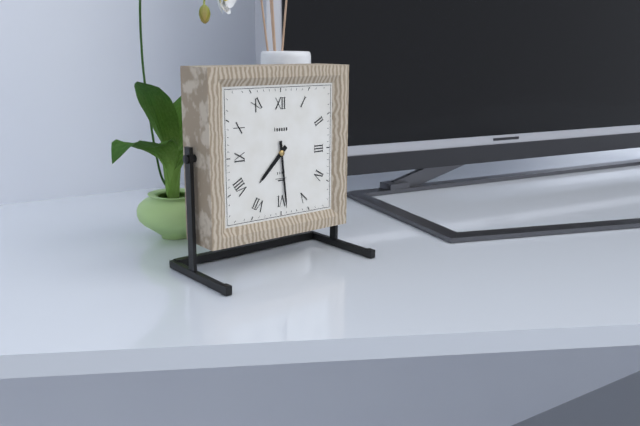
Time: 7h29
